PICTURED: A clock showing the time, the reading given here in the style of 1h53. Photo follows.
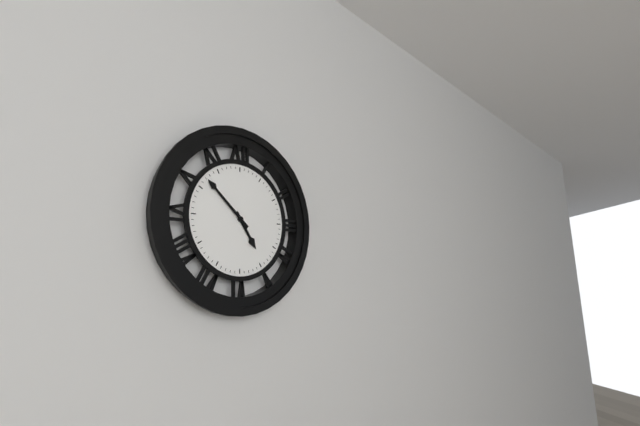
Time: 4h52
